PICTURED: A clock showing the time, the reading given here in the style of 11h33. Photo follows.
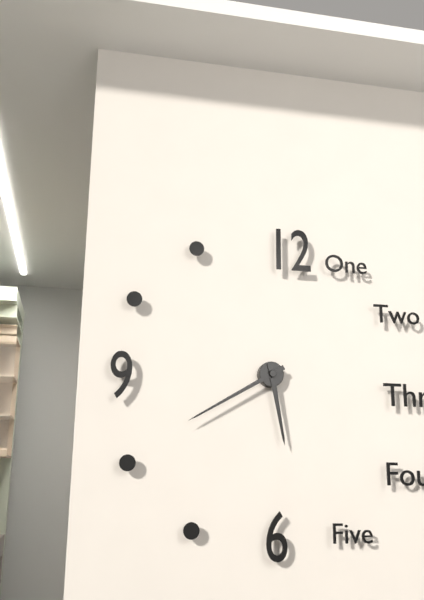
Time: 5h40
